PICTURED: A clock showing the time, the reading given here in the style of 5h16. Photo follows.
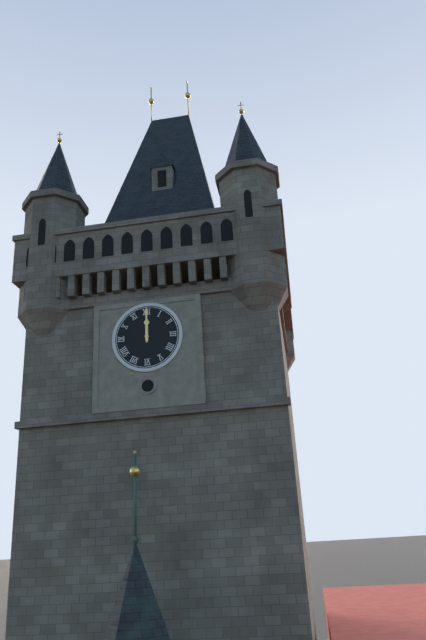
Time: 12h00
